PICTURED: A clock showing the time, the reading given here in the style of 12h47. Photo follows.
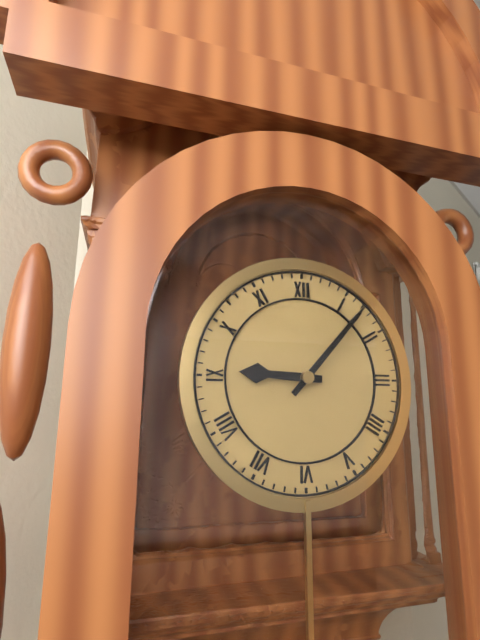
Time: 9h07
